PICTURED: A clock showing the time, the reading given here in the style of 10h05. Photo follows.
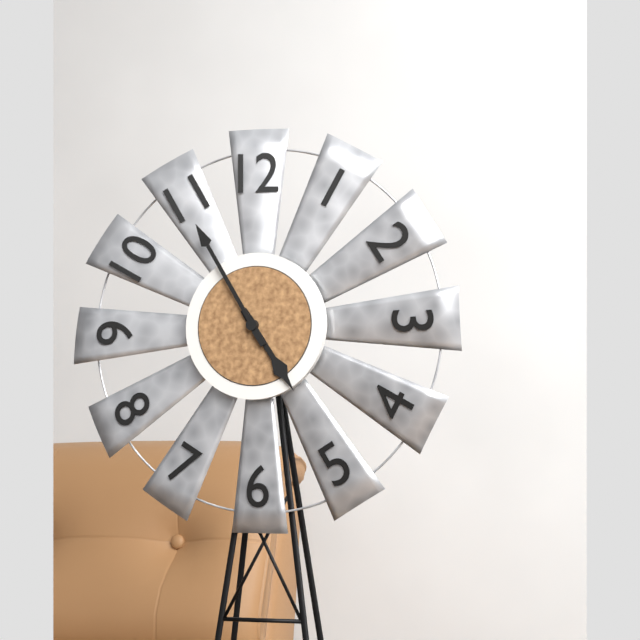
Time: 4h55
